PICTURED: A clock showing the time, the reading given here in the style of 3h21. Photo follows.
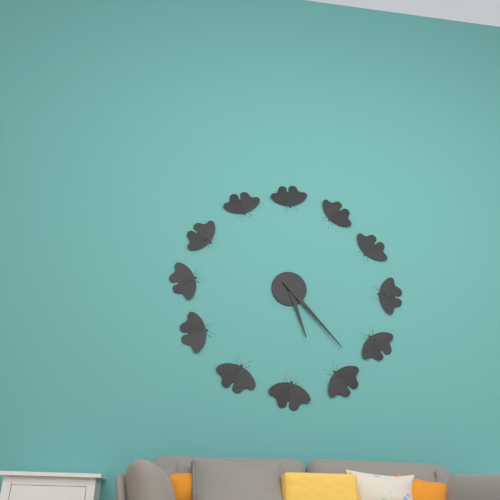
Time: 5h23
